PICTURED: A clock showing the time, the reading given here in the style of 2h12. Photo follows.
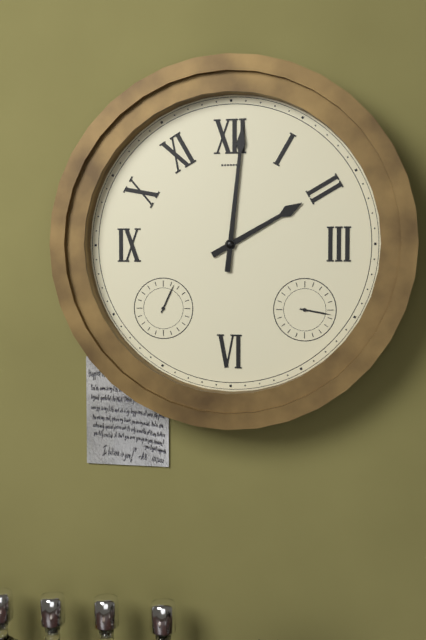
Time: 2h01
